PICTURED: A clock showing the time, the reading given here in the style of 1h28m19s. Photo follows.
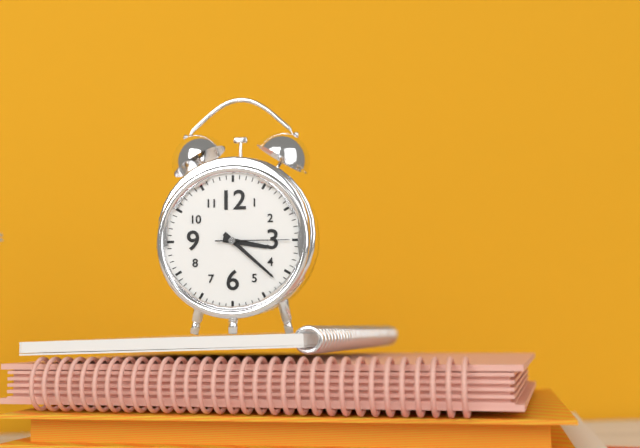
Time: 3h22m15s
